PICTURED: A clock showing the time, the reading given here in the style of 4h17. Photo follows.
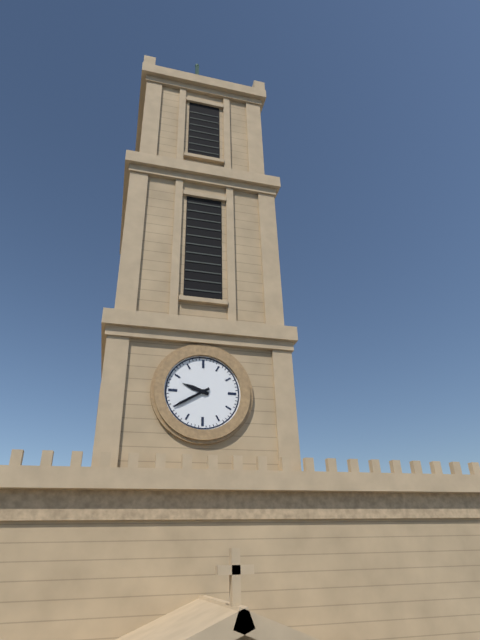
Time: 9h40
